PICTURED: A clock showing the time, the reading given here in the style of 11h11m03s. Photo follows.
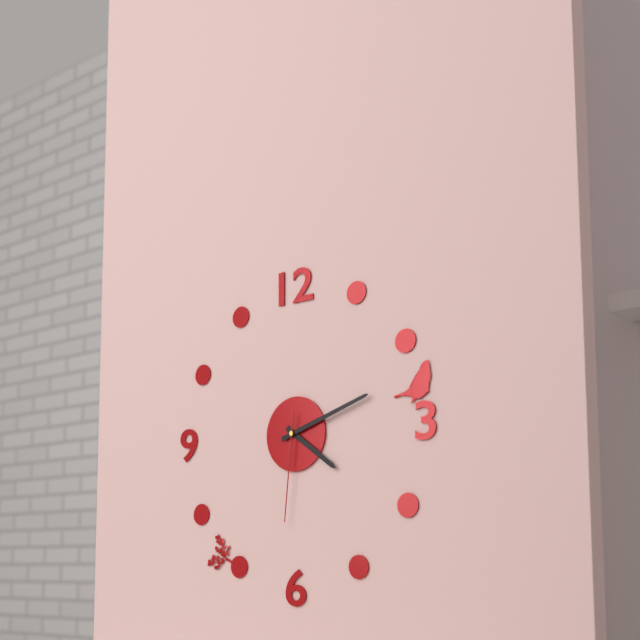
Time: 4h12m31s
